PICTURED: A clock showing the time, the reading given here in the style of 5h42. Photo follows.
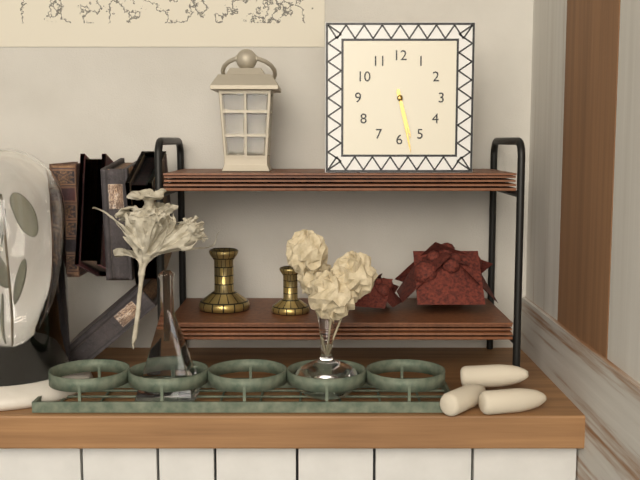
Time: 5h28
